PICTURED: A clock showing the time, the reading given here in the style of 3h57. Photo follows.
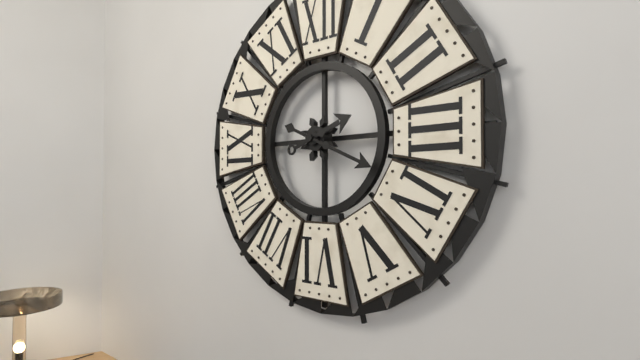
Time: 2h19
